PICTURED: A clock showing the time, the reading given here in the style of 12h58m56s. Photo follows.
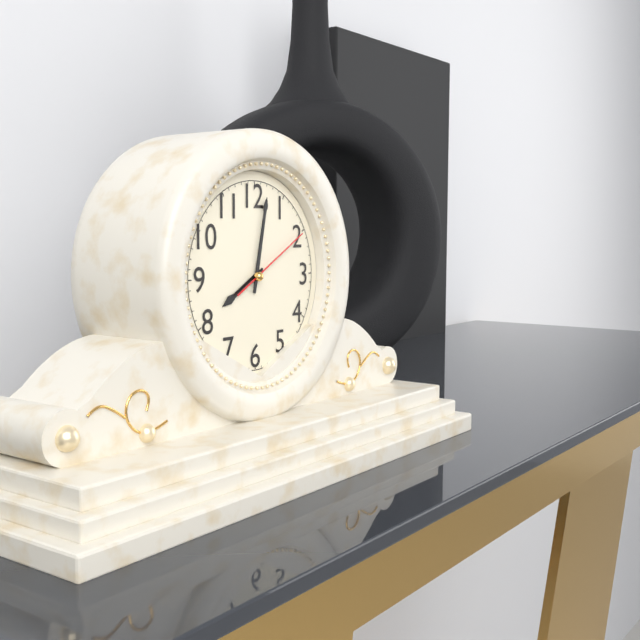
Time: 8h02m10s
